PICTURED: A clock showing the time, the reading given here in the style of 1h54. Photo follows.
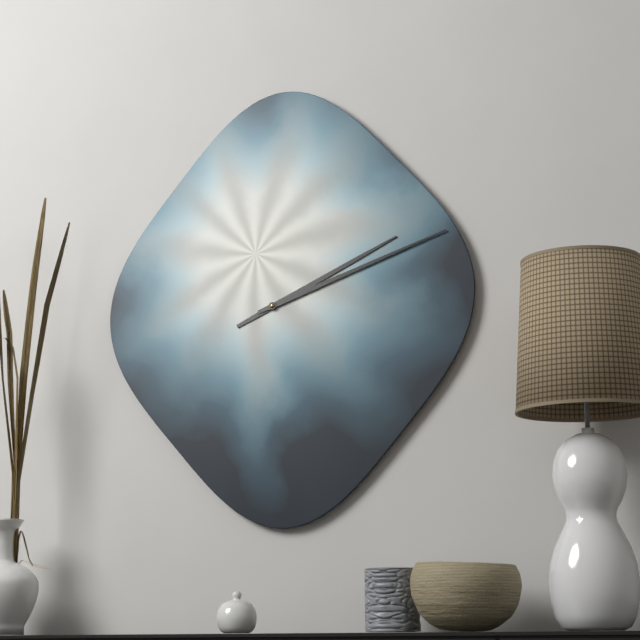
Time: 2h12
